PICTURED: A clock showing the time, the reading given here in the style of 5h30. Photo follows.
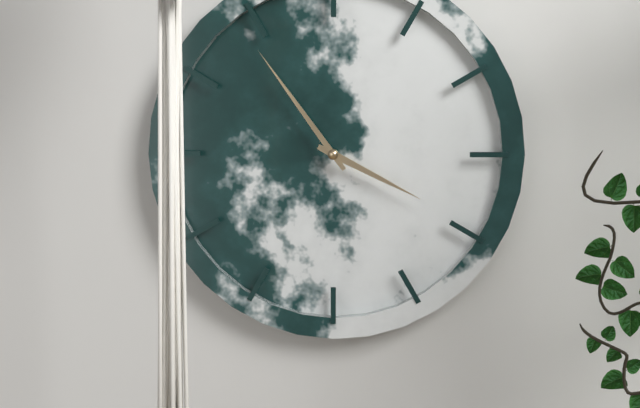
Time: 3h54
